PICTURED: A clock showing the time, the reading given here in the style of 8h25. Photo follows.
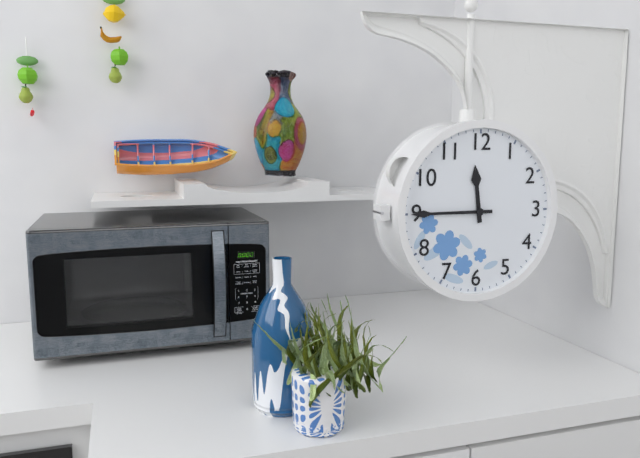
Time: 11h45
